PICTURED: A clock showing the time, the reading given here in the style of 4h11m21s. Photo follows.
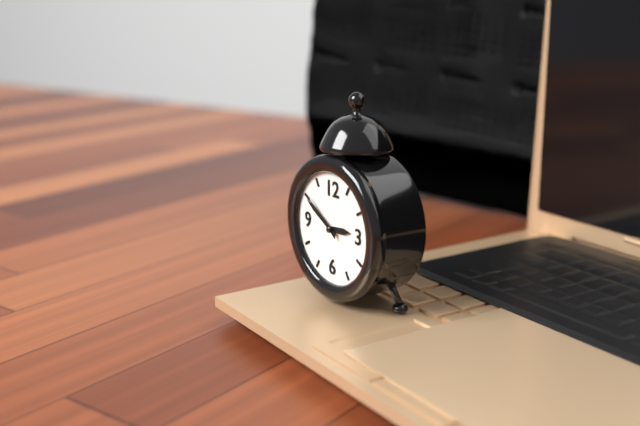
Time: 2h50m51s
